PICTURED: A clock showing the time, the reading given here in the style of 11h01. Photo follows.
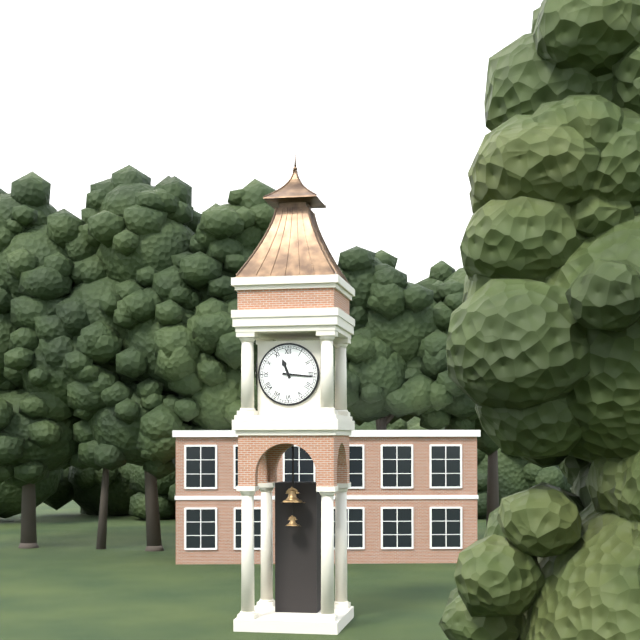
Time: 11h16
